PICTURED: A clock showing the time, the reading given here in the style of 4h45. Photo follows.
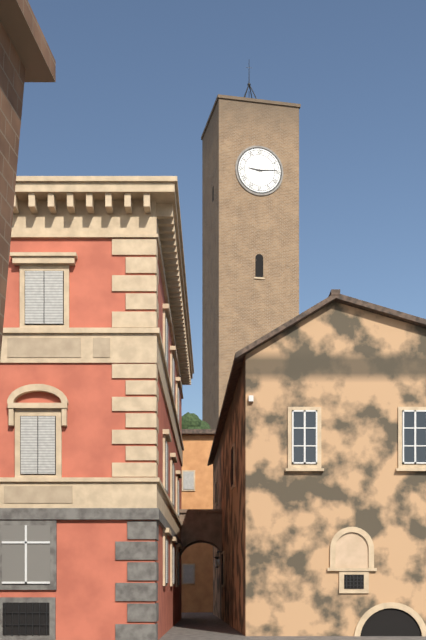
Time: 9h14
